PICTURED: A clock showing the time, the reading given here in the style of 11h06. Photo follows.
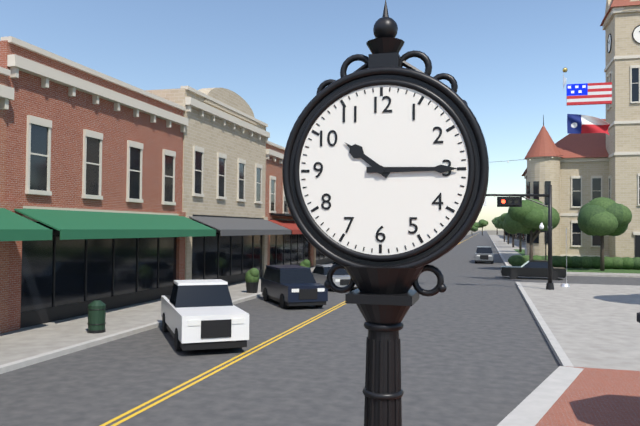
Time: 10h15
